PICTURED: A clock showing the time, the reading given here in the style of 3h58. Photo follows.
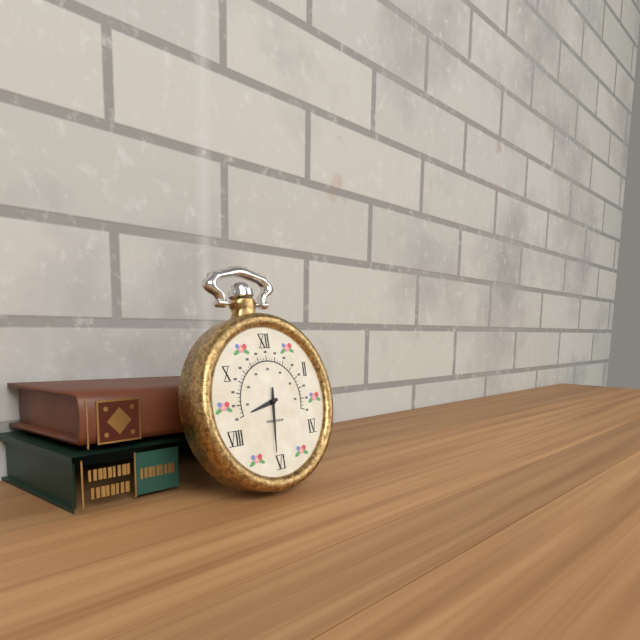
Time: 8h31
